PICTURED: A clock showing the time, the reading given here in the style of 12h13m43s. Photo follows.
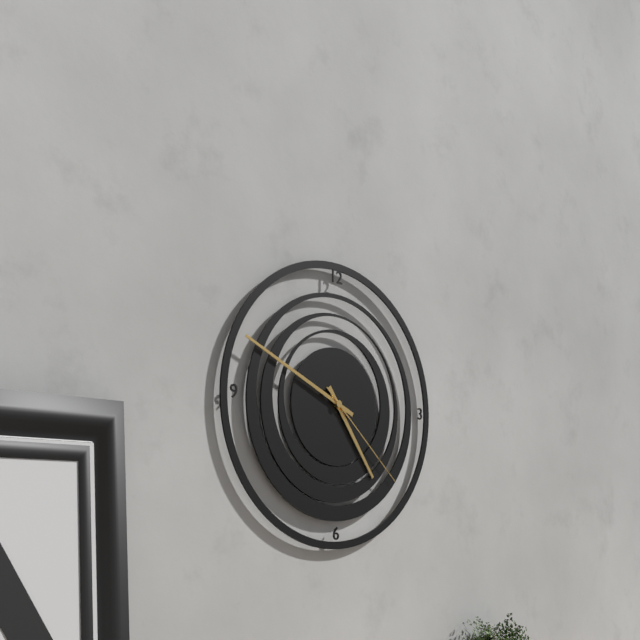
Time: 4h49m22s
